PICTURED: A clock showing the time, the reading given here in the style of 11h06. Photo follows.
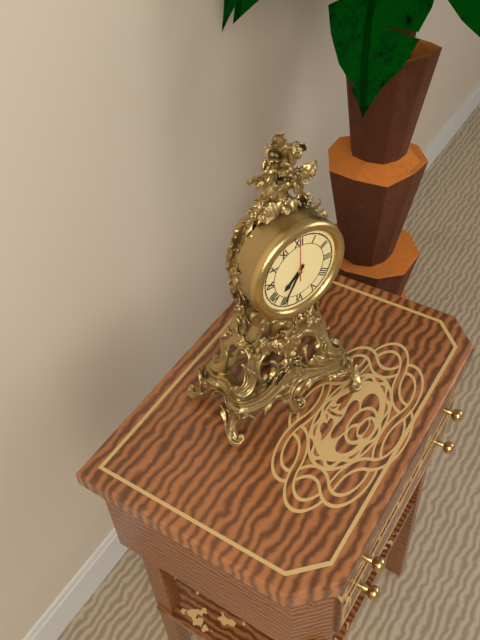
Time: 7h35
